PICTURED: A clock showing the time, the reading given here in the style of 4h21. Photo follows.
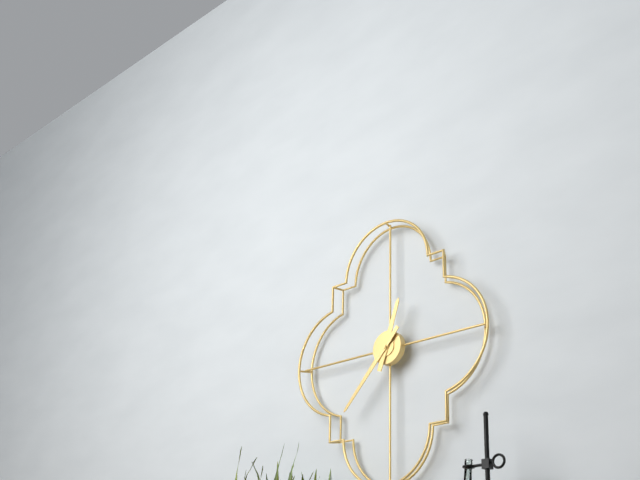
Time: 12h37
